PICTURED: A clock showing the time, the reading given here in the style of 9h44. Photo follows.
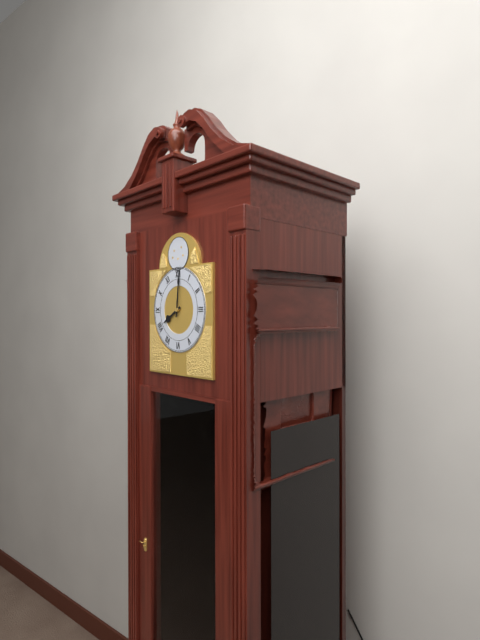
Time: 8h01
